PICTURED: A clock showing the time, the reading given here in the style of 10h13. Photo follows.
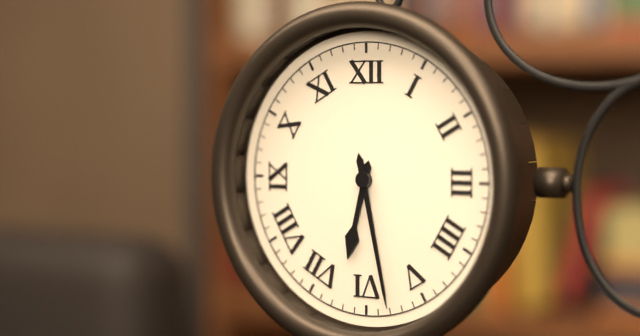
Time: 6h28
